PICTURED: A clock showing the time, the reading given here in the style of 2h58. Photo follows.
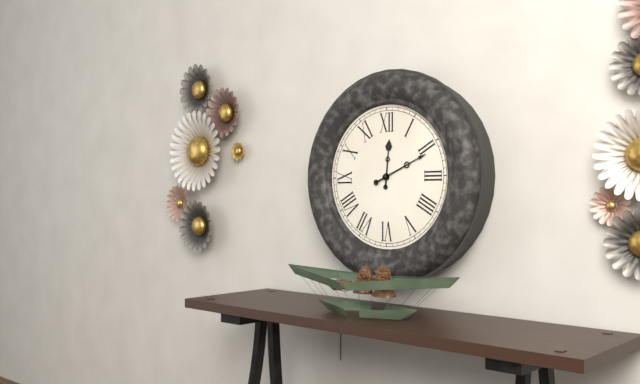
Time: 12h11
